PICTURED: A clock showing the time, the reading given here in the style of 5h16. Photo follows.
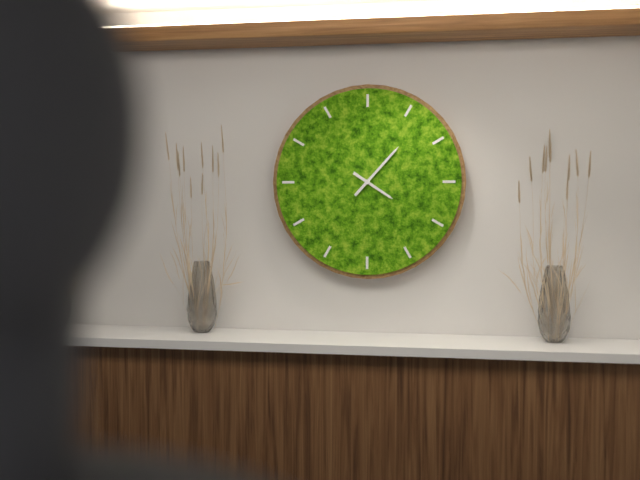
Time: 4h07
